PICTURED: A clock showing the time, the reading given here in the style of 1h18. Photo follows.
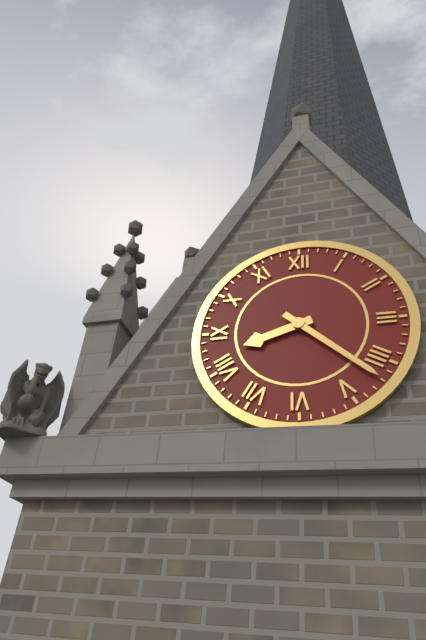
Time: 8h22
